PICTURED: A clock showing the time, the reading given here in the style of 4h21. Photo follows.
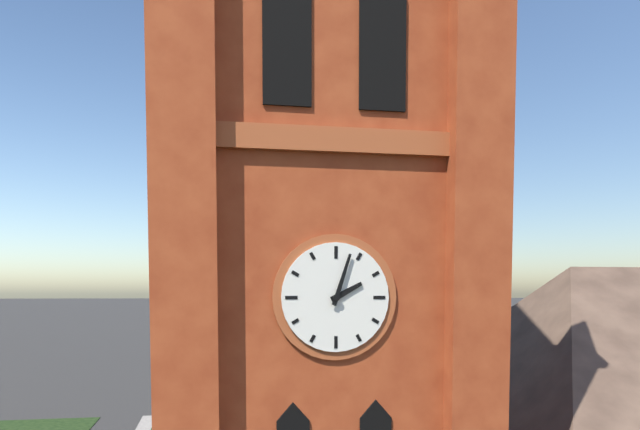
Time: 2h03
